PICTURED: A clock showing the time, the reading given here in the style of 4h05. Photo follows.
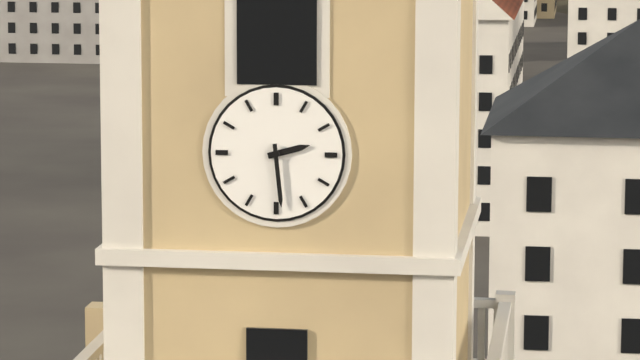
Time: 2h29
